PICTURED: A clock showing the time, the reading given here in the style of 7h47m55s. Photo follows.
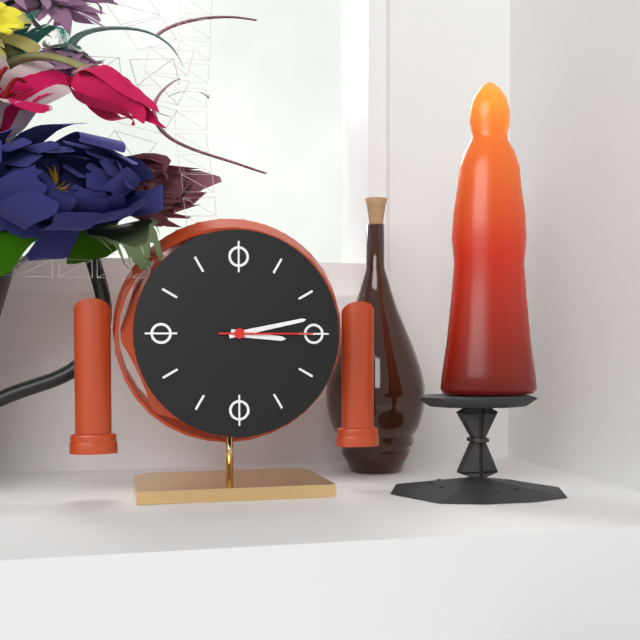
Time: 3h13m15s
